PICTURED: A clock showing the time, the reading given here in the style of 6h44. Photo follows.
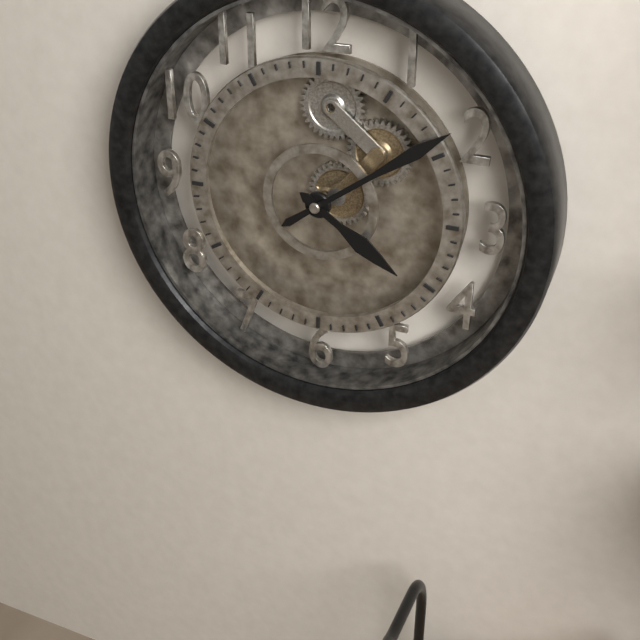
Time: 4h09
